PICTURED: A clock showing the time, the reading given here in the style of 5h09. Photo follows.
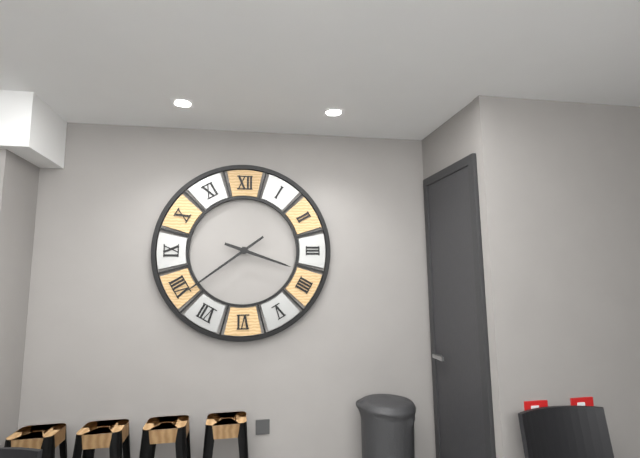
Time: 3h39
